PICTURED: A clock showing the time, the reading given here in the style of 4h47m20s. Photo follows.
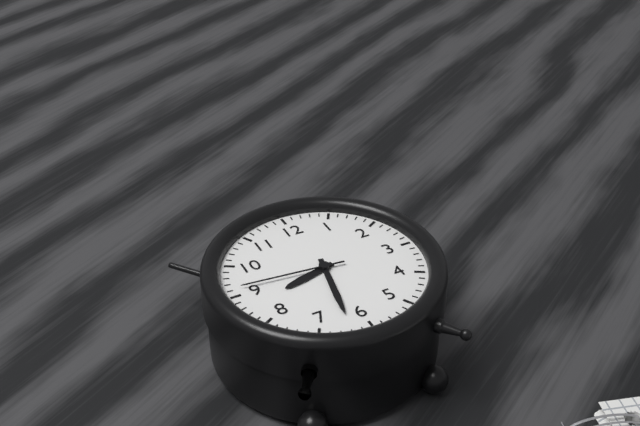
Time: 8h32m46s
